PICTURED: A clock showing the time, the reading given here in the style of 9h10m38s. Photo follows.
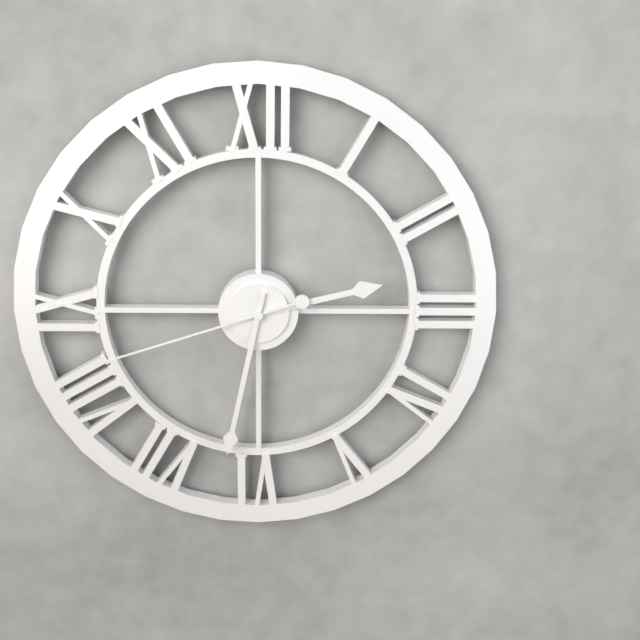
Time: 2h32m42s
